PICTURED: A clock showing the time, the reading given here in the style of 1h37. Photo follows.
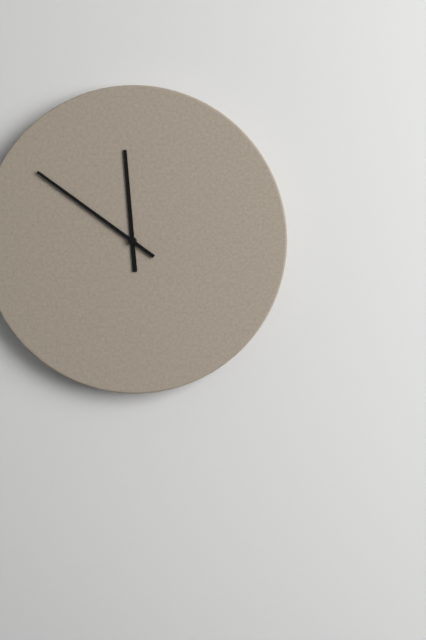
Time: 11h51
